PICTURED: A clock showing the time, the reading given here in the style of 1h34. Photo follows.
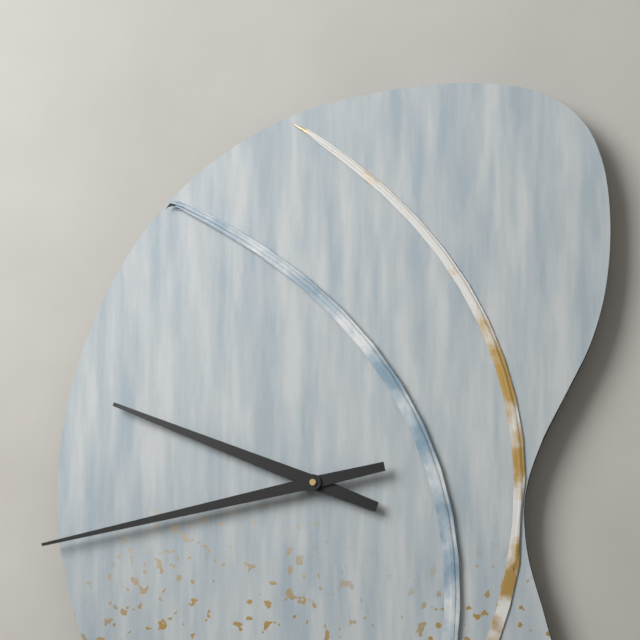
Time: 9h43
